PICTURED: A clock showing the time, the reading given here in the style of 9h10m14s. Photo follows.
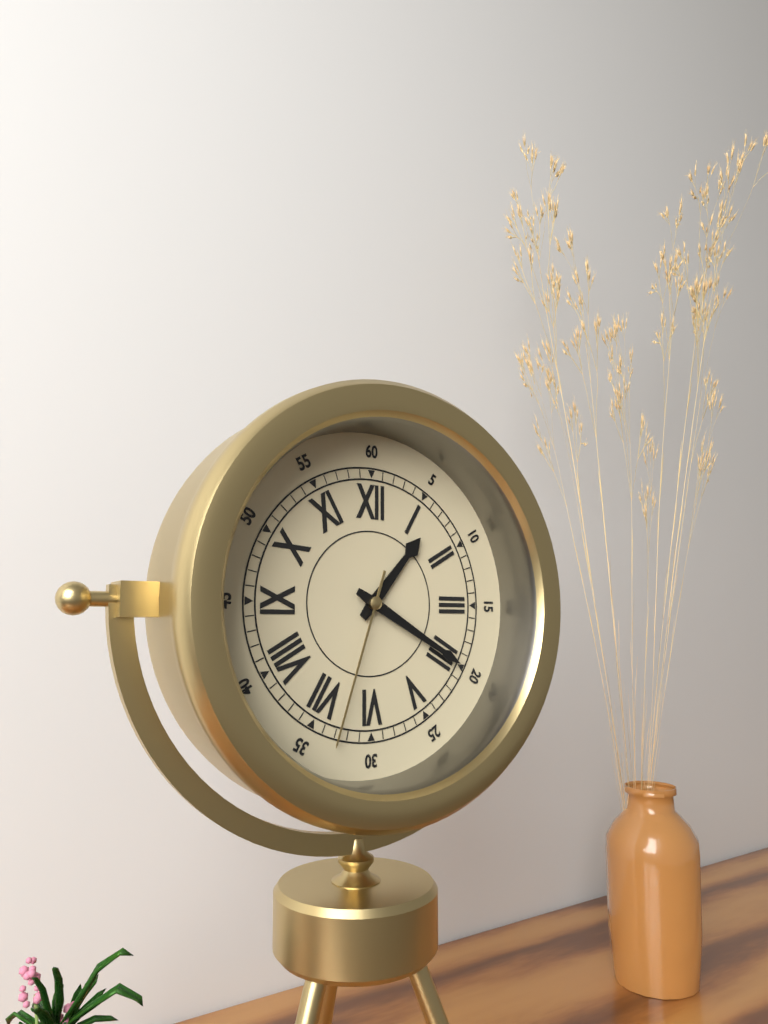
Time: 1h20m33s
